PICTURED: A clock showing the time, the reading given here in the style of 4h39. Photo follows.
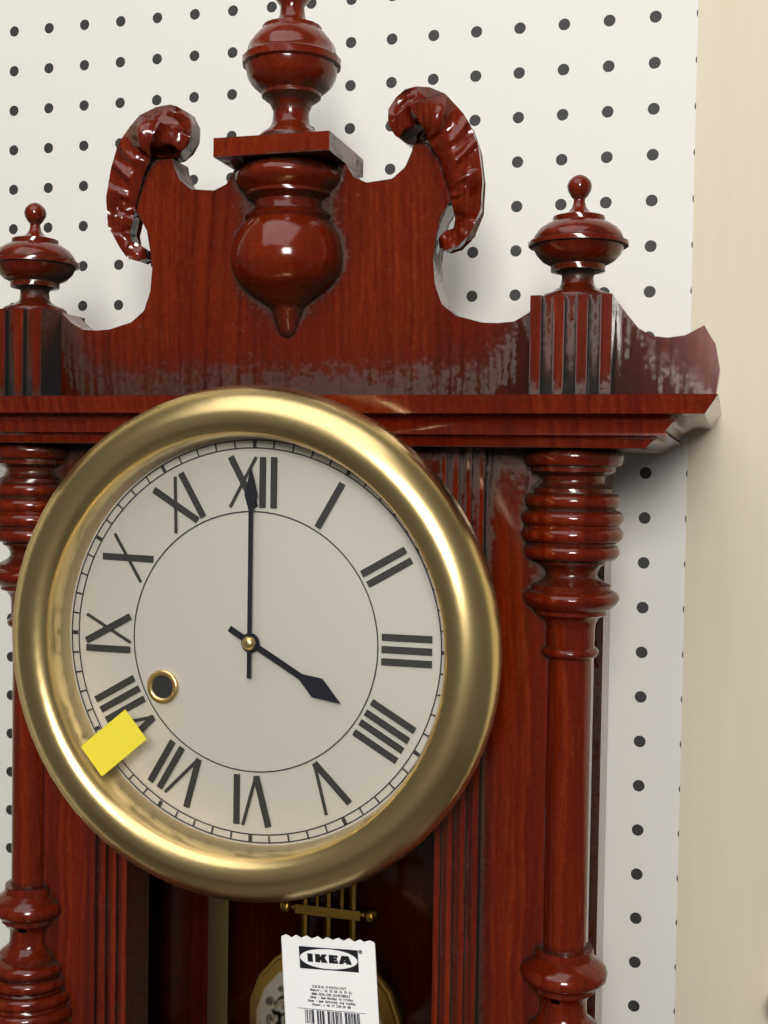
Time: 4h00
